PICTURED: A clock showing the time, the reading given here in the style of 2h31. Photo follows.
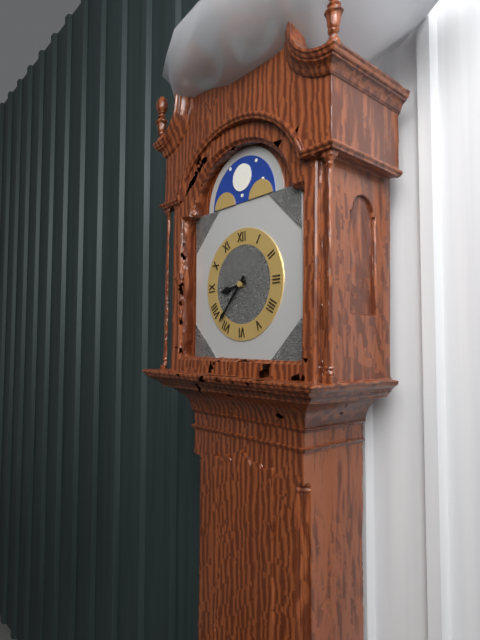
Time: 8h37
